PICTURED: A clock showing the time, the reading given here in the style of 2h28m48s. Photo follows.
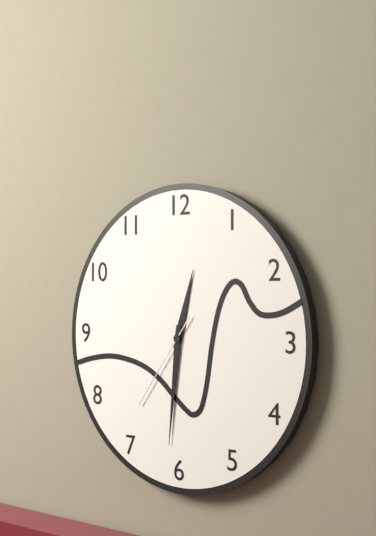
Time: 12h31m36s
